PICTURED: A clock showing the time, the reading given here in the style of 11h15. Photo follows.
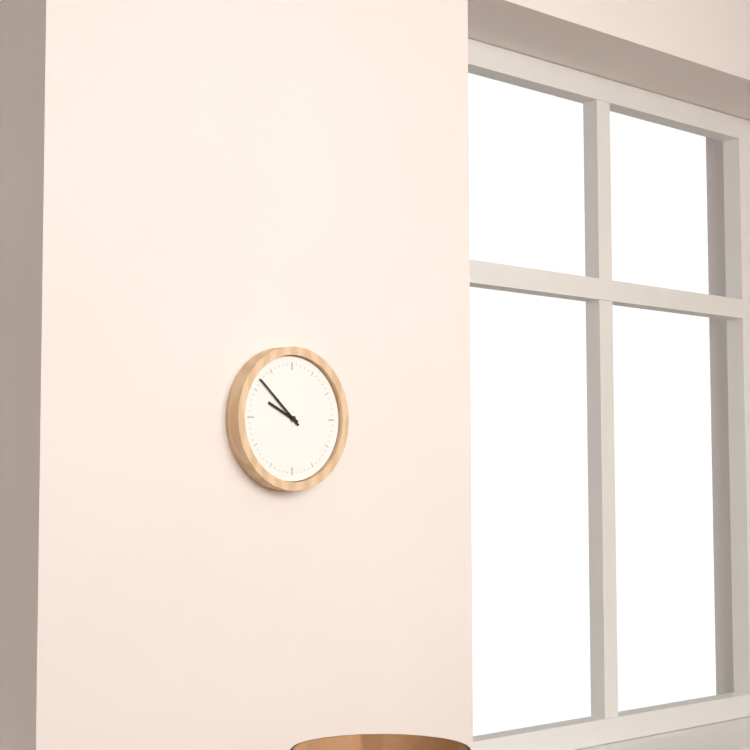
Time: 9h52
